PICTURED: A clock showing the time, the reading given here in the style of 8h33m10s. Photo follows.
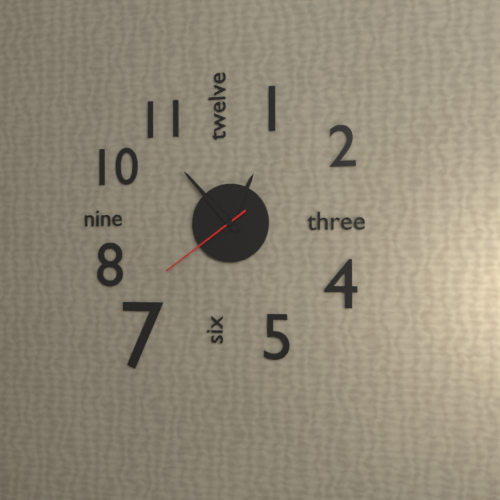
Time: 12h53m39s
